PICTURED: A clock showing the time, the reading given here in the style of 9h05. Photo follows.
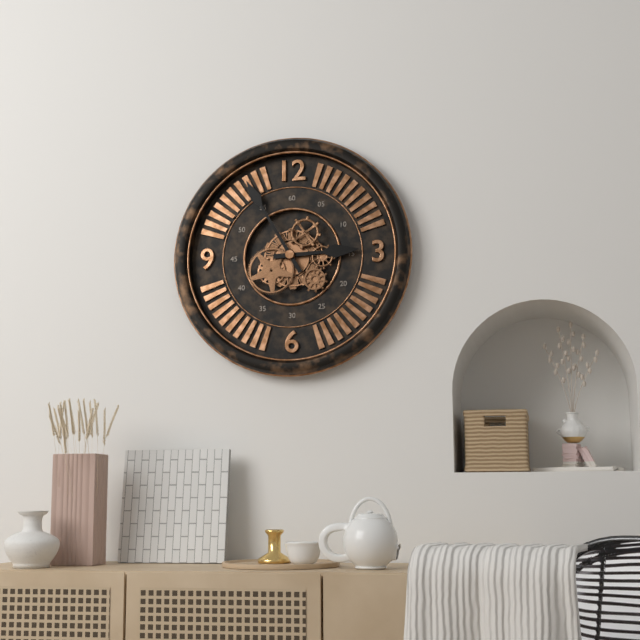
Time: 2h55
